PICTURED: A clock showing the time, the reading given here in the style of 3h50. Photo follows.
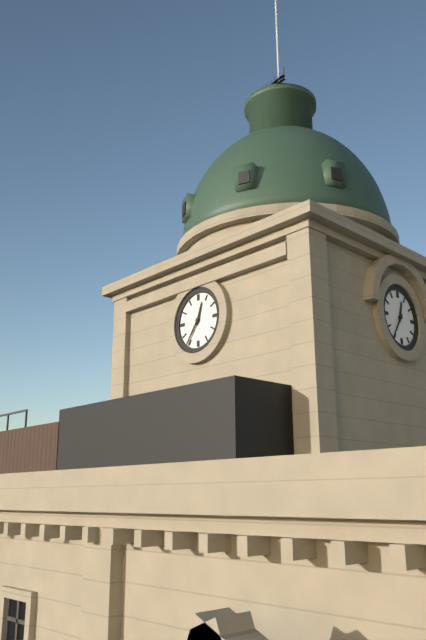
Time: 12h36
